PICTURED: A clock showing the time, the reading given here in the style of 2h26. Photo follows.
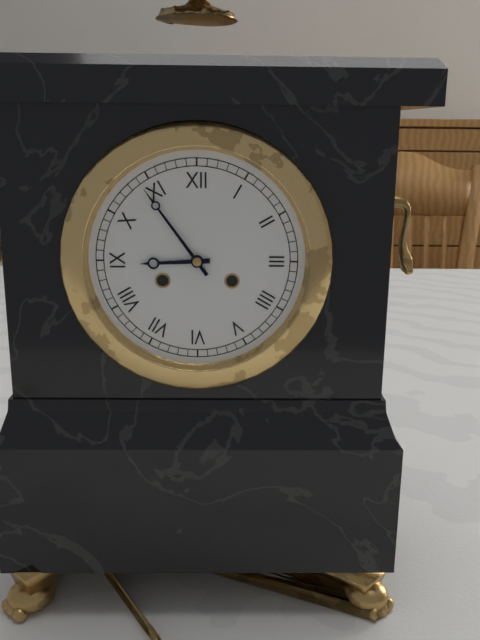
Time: 8h54
